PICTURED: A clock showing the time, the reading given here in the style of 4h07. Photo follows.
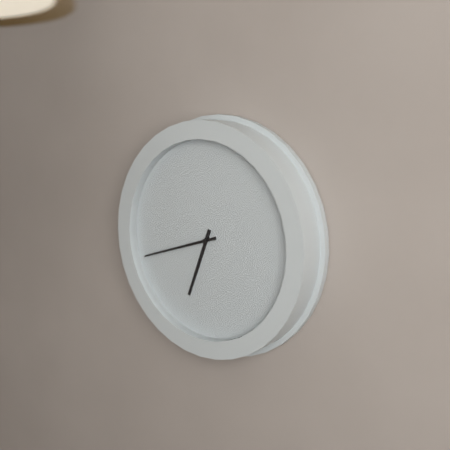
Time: 6h42
